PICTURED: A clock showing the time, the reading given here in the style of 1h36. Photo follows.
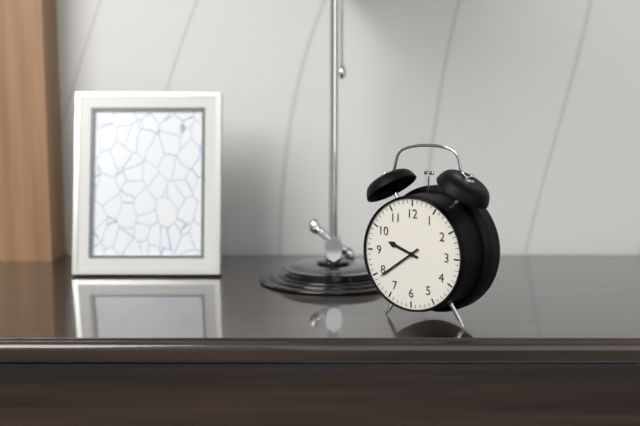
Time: 9h39
